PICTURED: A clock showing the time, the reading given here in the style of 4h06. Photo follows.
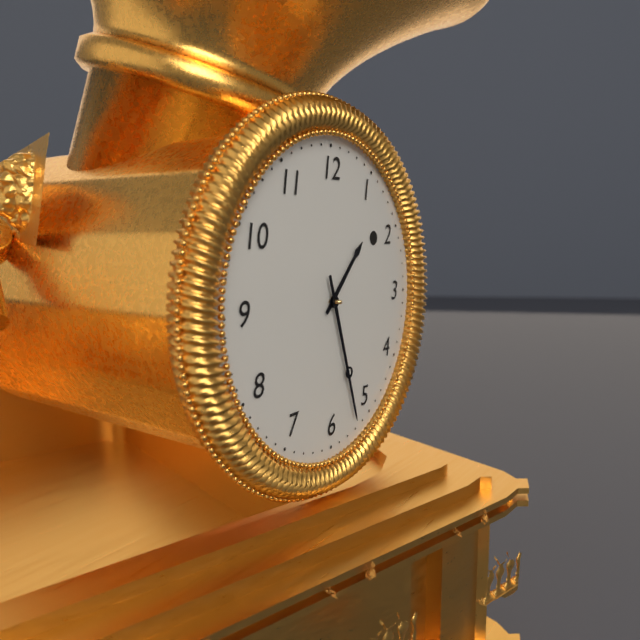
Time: 1h27
